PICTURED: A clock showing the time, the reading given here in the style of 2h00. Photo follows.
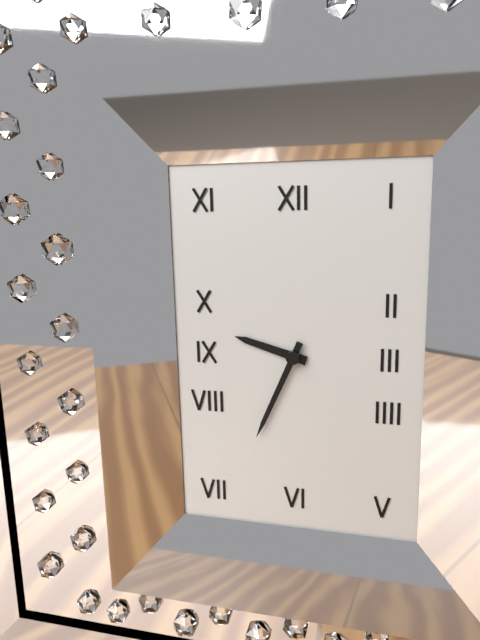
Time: 9h34
